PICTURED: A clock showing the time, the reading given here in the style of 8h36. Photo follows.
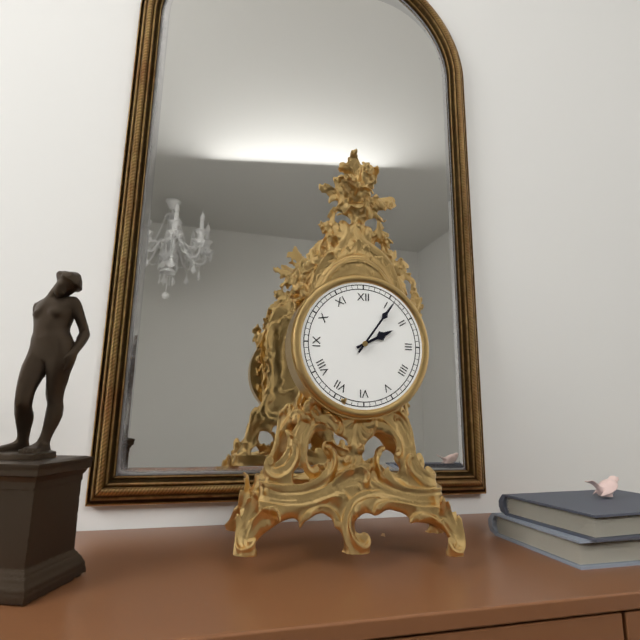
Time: 2h06
